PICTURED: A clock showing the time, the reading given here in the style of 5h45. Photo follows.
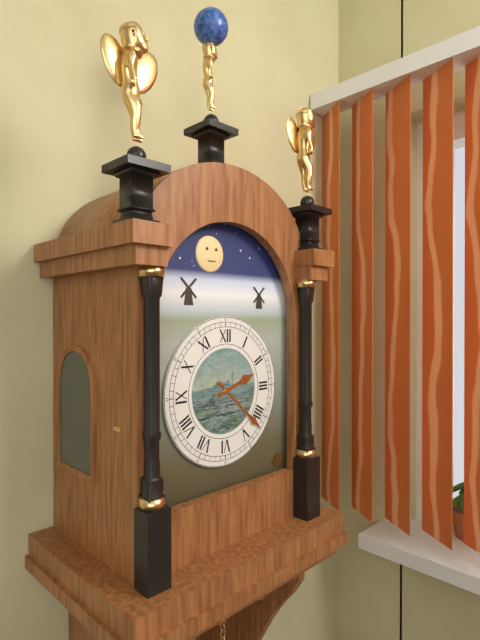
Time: 2h22
